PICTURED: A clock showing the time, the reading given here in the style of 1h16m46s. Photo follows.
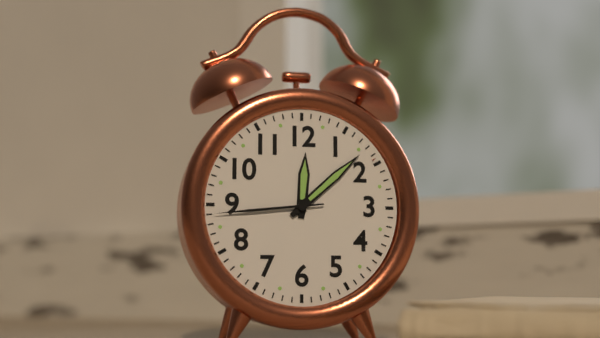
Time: 12h08m44s
